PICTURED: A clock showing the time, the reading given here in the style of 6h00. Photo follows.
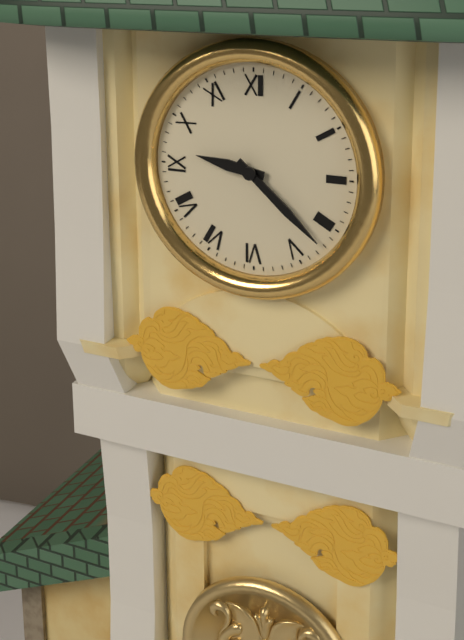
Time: 9h22
